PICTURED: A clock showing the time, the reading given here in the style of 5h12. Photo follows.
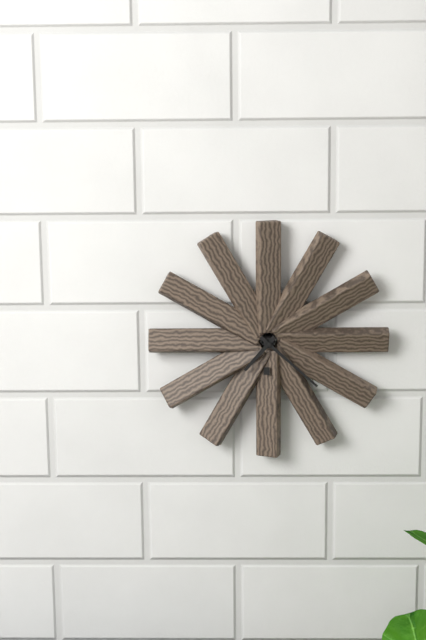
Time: 7h22
